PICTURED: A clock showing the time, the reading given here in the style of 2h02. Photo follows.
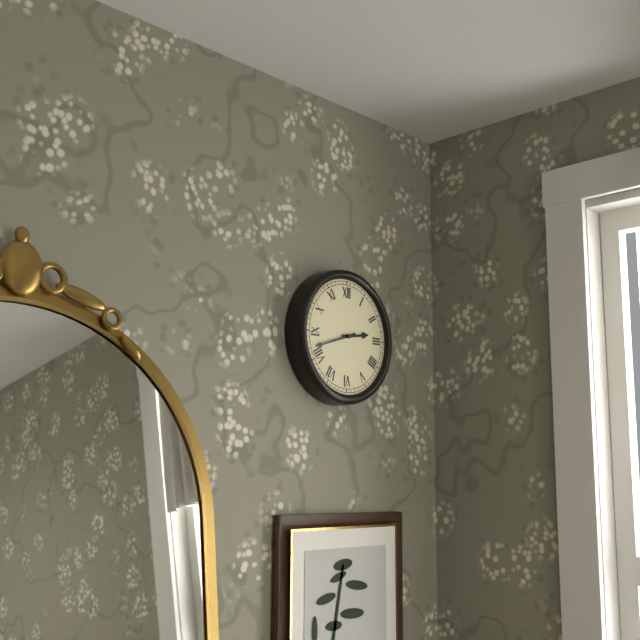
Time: 2h42
